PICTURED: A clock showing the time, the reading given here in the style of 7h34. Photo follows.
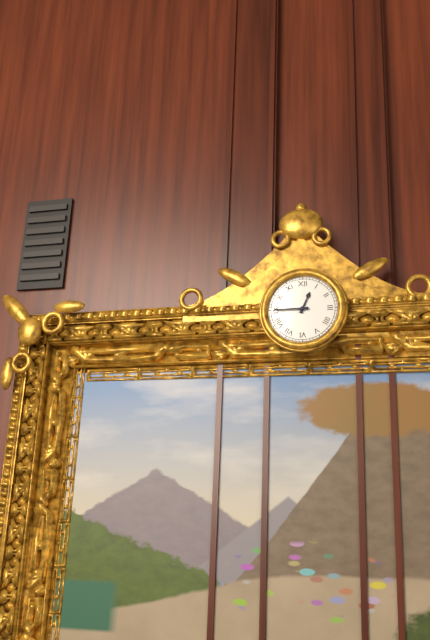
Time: 12h45
